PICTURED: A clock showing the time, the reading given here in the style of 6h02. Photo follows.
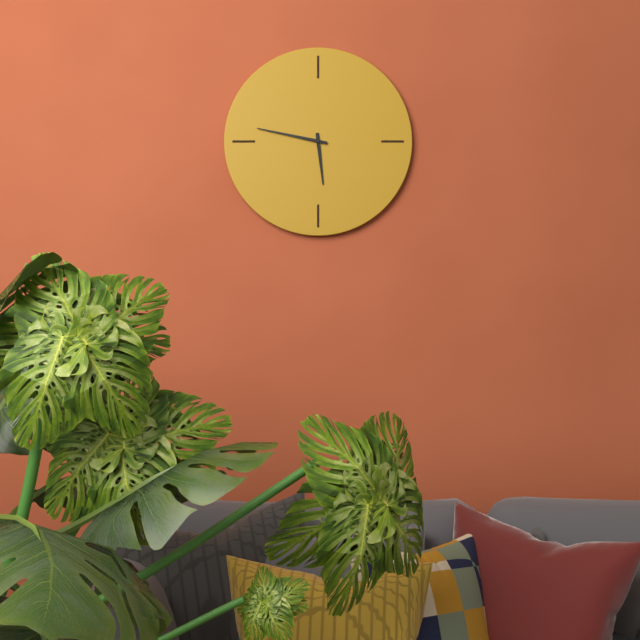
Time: 5h47
